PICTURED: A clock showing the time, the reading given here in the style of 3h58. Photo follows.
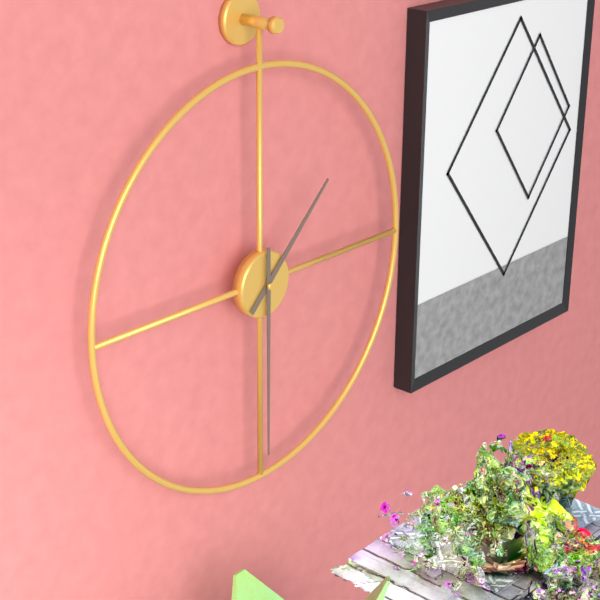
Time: 1h30
